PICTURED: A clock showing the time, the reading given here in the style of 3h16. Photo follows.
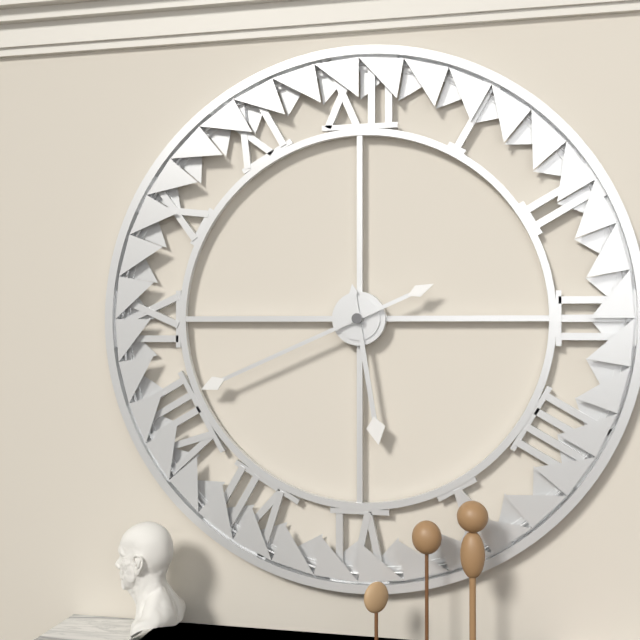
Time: 5h41
